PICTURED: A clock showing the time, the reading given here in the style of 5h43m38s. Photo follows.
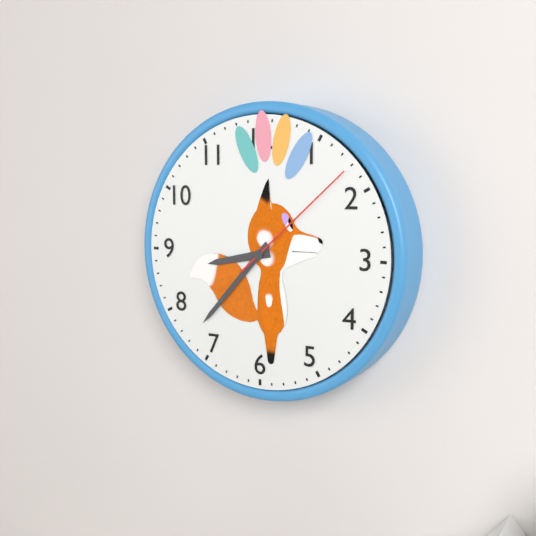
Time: 8h37m08s
